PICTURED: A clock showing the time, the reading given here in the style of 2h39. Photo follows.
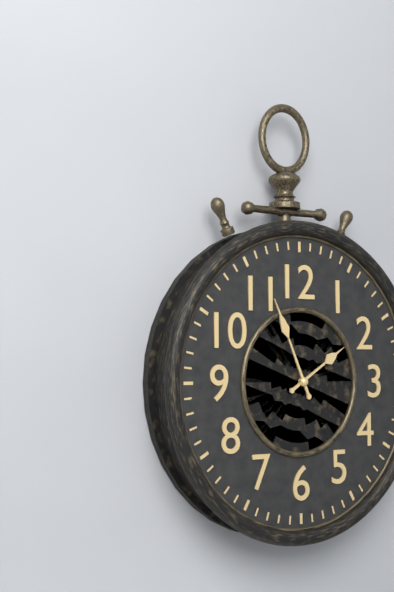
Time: 1h56
